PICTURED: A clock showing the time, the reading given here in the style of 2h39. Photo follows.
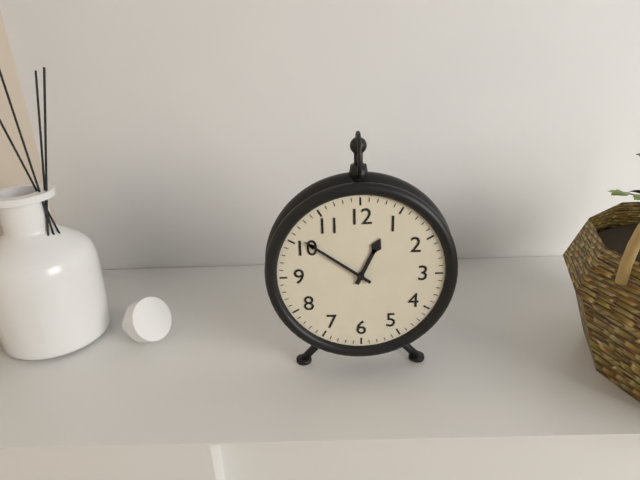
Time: 12h51
